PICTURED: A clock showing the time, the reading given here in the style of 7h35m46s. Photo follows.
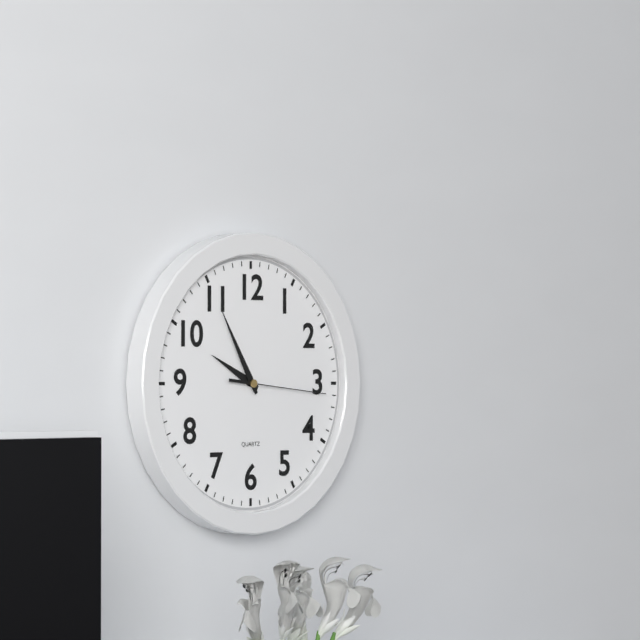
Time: 9h55m16s
